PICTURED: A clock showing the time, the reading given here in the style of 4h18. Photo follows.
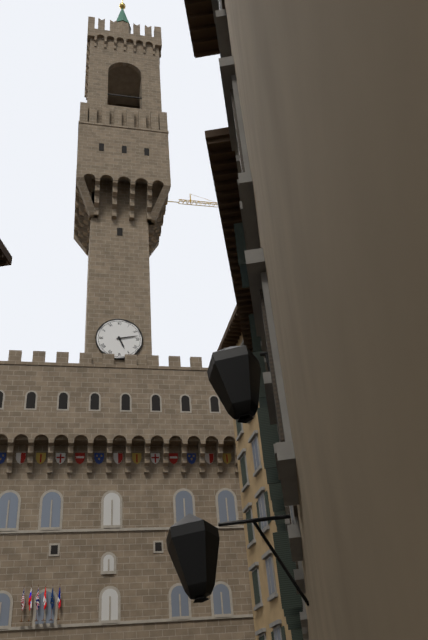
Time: 5h13
